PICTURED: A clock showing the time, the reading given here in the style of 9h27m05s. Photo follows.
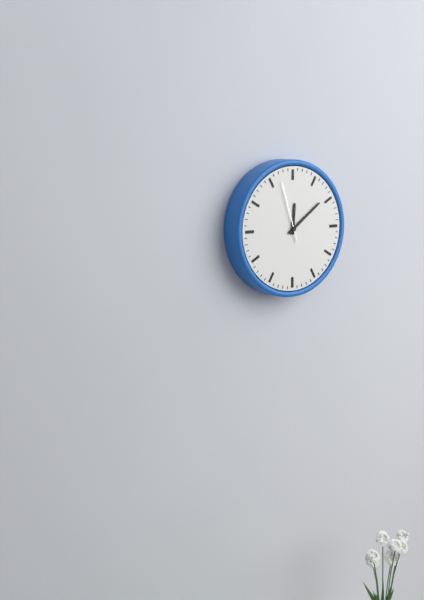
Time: 12h09m57s
